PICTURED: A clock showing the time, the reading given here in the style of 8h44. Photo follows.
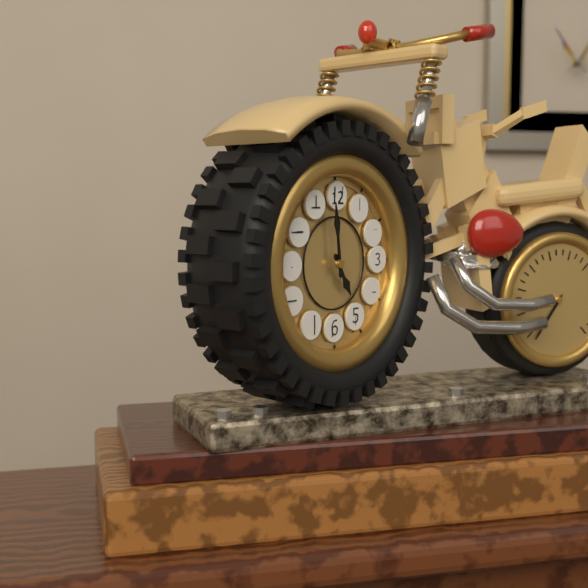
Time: 4h59
